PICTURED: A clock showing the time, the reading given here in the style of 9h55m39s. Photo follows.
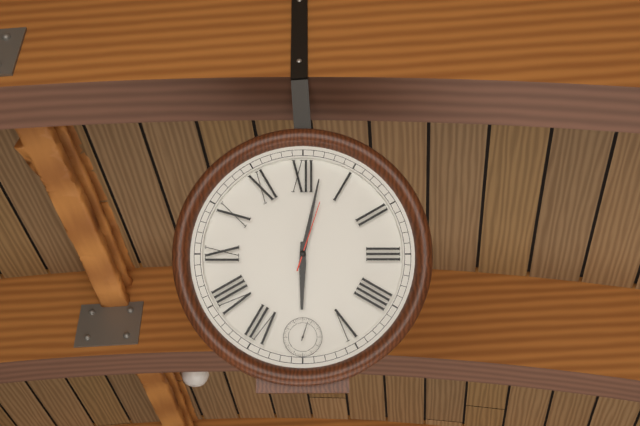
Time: 6h02m03s
